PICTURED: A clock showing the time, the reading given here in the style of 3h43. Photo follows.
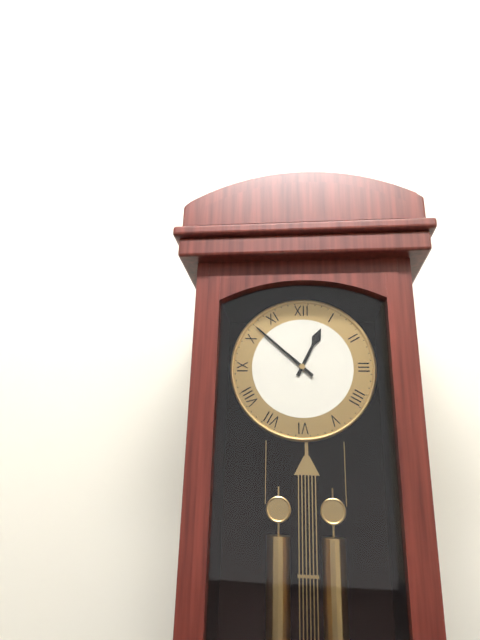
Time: 12h52
